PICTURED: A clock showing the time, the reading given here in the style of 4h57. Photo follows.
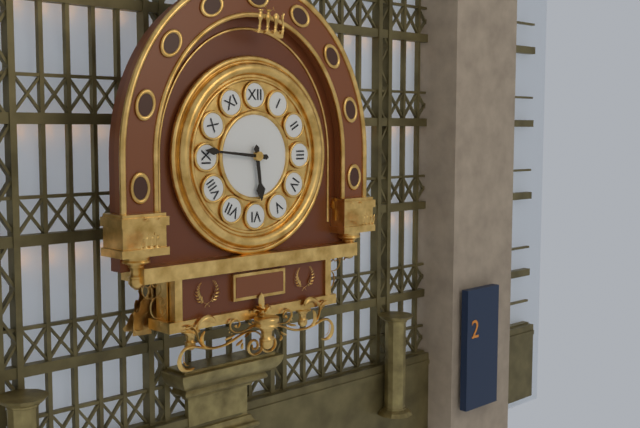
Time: 5h46
